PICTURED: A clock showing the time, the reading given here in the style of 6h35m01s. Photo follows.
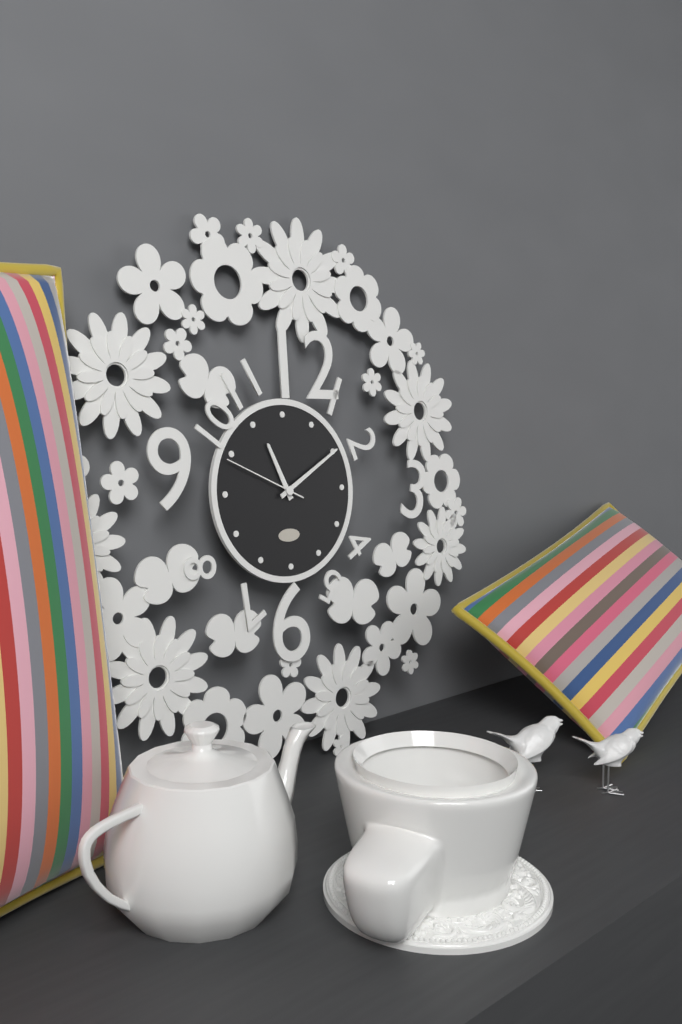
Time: 11h10m49s
